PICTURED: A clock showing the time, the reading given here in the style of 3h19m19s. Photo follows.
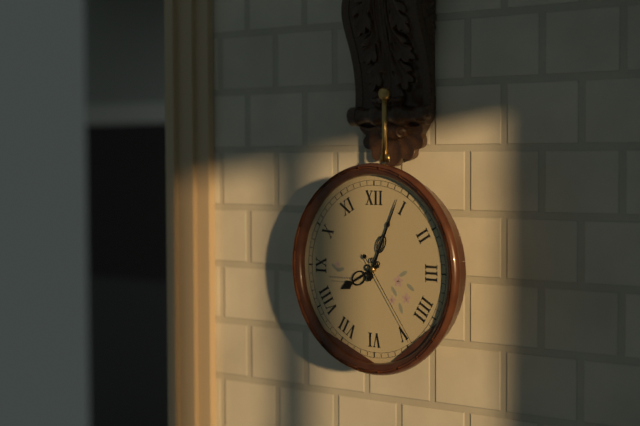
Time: 8h04m24s
